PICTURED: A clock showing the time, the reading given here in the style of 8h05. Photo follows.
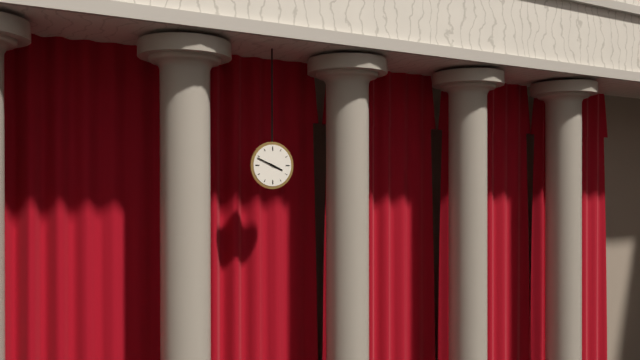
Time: 3h49
